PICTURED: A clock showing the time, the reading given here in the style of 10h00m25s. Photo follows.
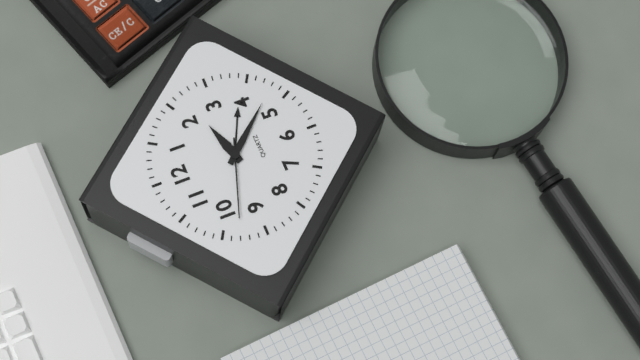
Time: 2h23m48s
